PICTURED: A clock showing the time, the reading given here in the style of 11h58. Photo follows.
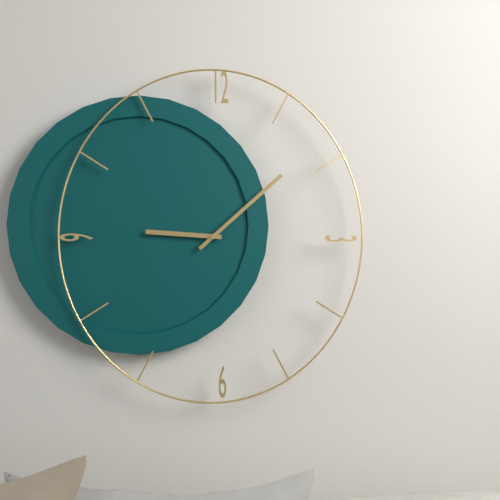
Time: 9h08
